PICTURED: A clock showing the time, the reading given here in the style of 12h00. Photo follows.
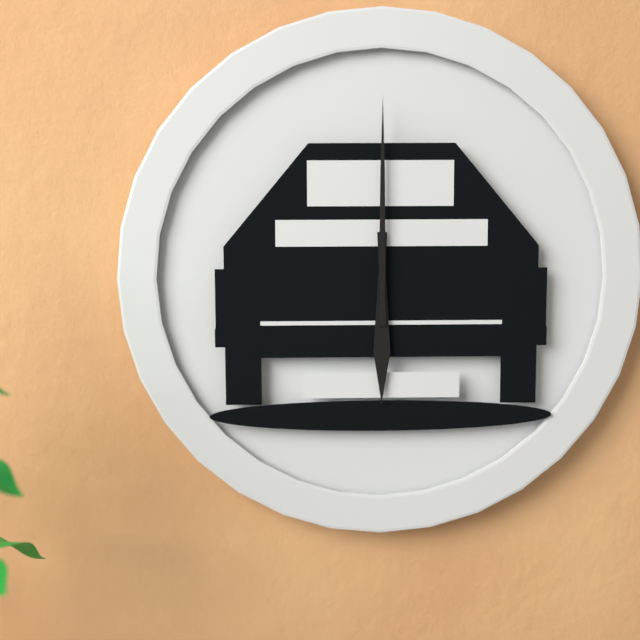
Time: 6h00
